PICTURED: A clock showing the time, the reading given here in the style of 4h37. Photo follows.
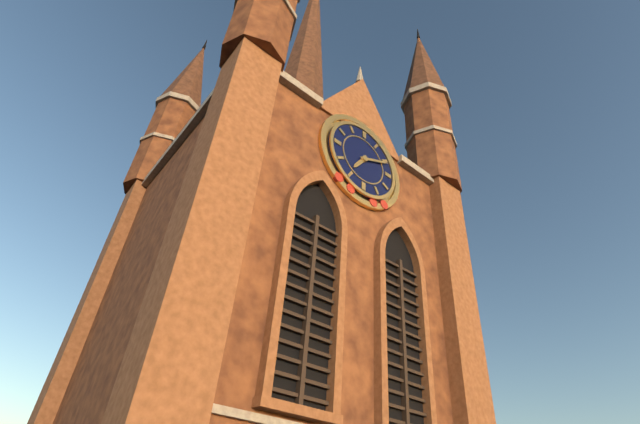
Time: 7h11
